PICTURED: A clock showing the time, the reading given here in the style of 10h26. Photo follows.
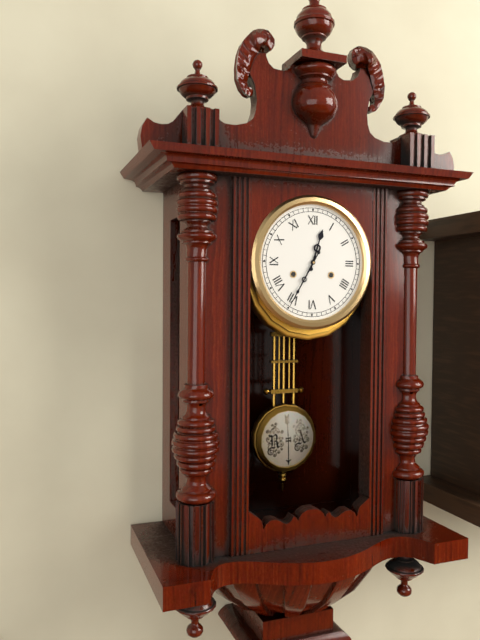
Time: 12h35
